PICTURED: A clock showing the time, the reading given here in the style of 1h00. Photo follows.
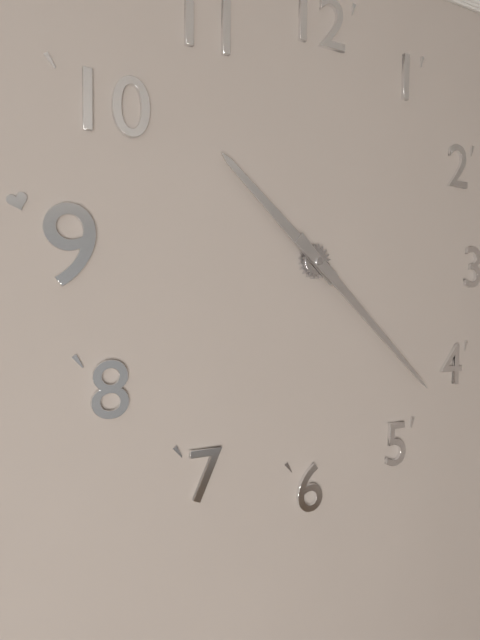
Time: 10h22
